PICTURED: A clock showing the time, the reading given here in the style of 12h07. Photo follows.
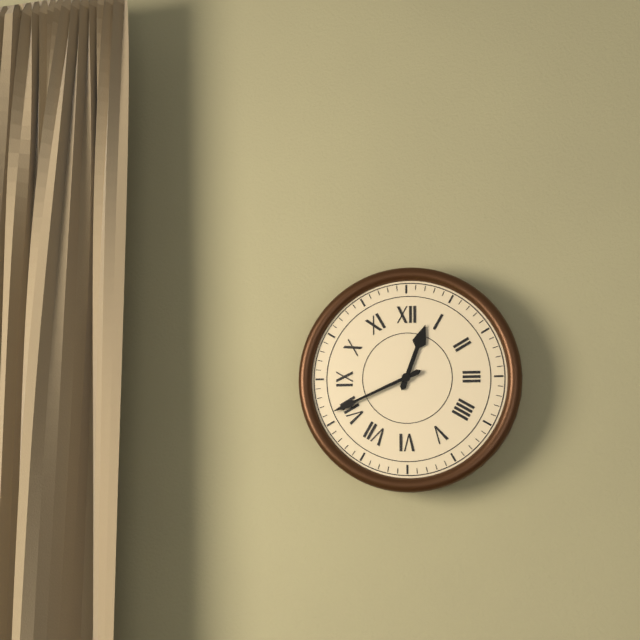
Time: 12h41
